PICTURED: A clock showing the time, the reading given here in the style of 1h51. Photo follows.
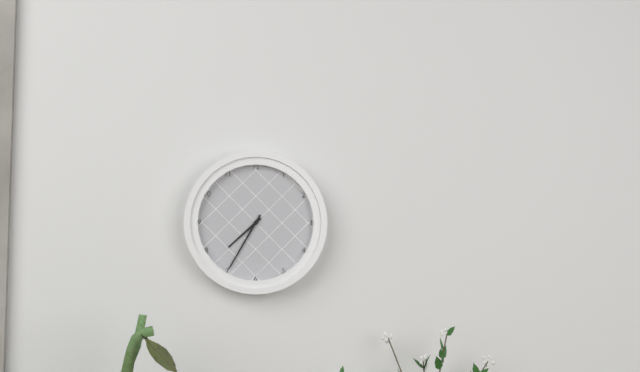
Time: 7h35
